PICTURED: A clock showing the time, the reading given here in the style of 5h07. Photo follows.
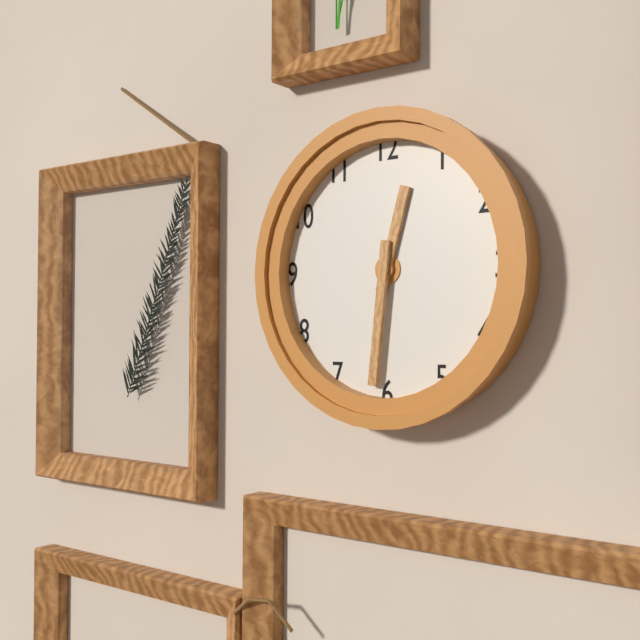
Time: 12h31
